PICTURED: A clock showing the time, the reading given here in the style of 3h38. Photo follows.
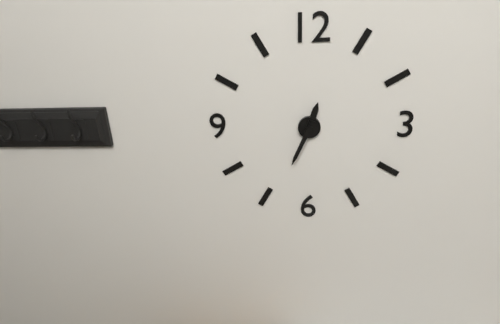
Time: 12h34
